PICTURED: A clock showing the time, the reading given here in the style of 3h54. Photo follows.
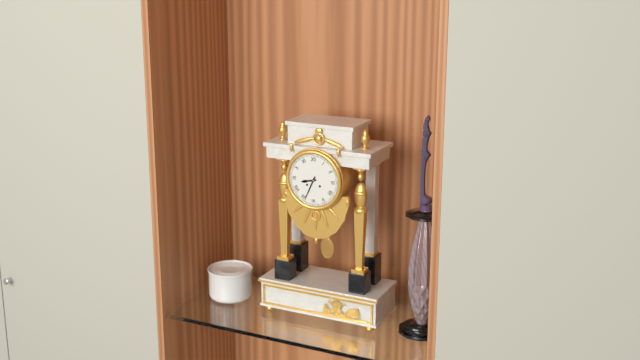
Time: 8h34
